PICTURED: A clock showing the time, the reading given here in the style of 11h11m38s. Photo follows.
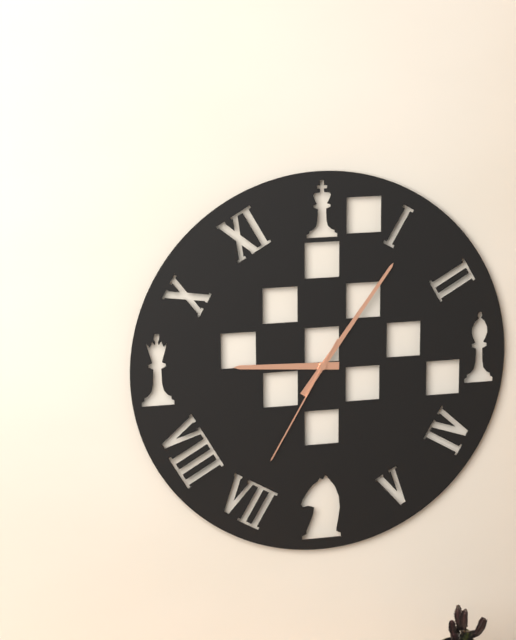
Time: 9h06m35s
